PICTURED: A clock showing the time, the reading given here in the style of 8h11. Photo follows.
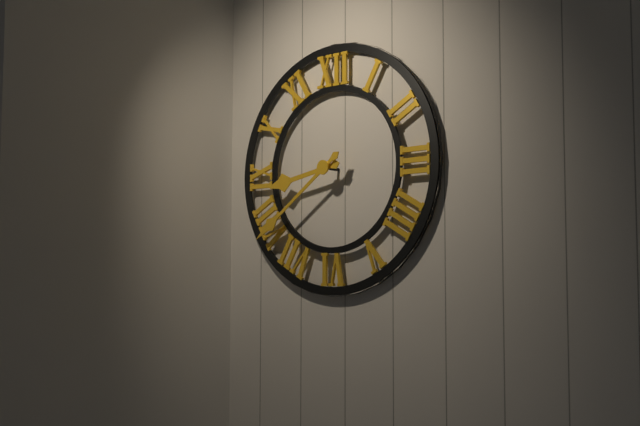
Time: 8h39
